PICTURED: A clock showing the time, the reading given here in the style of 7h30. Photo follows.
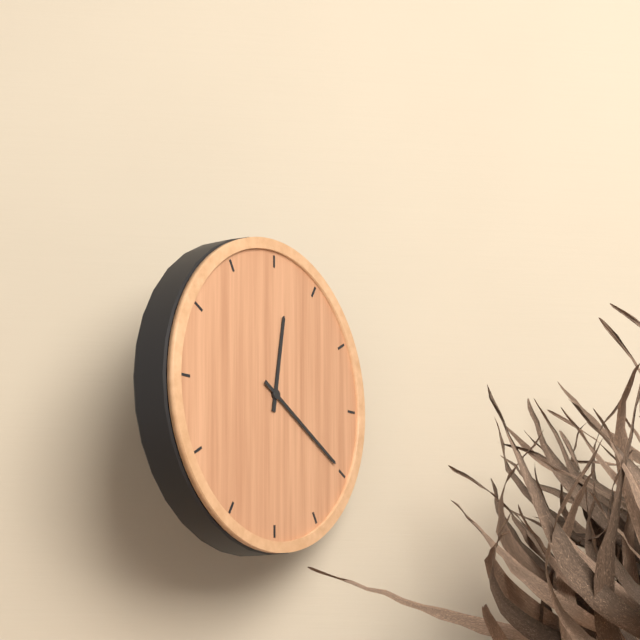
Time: 12h20
